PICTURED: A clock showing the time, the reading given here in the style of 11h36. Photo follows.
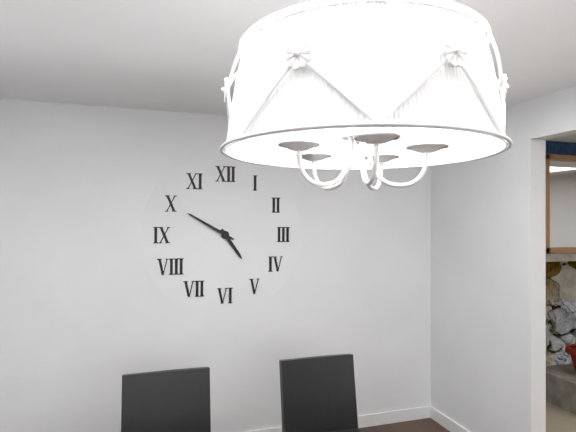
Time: 4h50
